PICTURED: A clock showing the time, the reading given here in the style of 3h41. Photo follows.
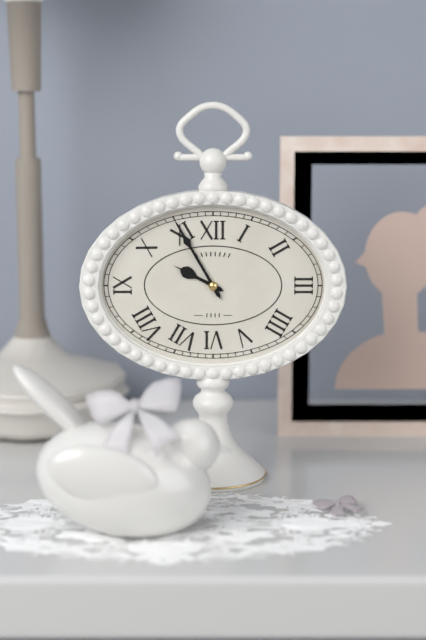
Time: 9h55
